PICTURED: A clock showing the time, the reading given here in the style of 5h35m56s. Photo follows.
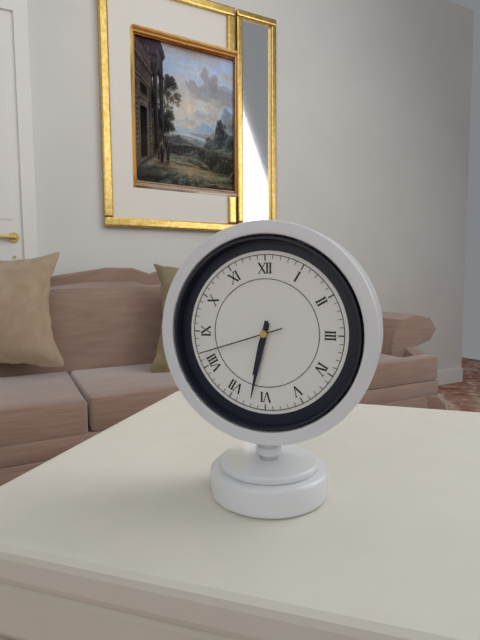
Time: 6h32m42s
